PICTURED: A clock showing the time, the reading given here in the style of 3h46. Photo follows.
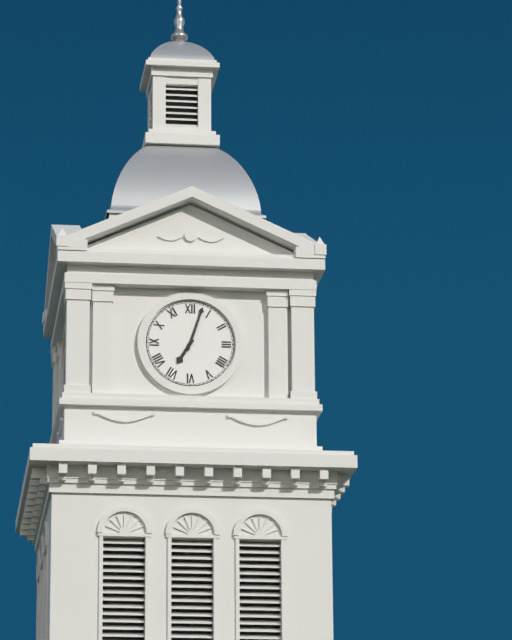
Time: 7h03
